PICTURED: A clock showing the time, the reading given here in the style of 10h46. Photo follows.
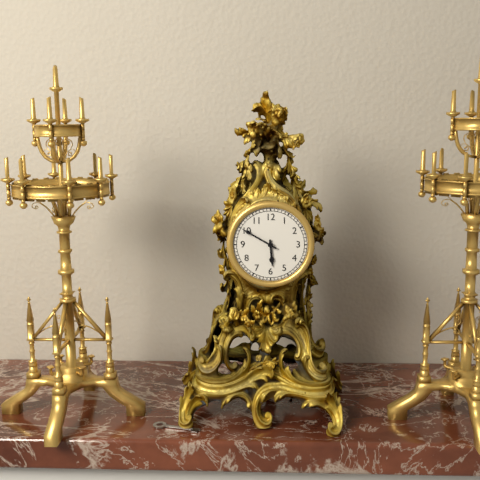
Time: 5h50
